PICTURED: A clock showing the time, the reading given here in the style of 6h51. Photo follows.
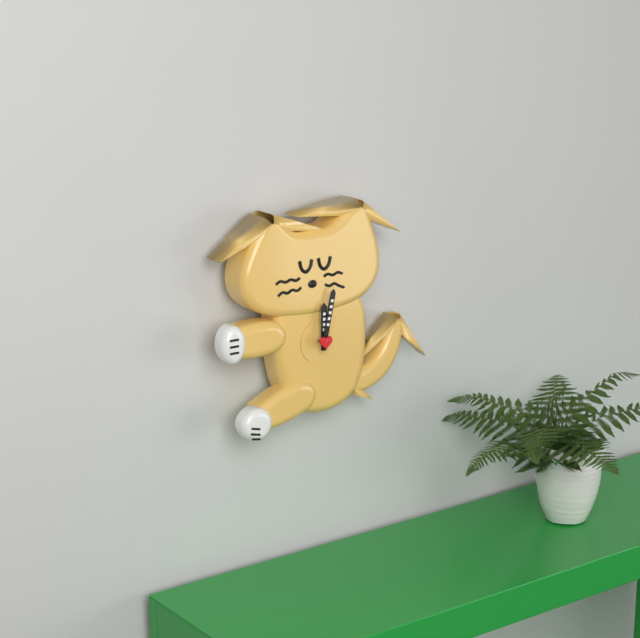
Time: 12h02
